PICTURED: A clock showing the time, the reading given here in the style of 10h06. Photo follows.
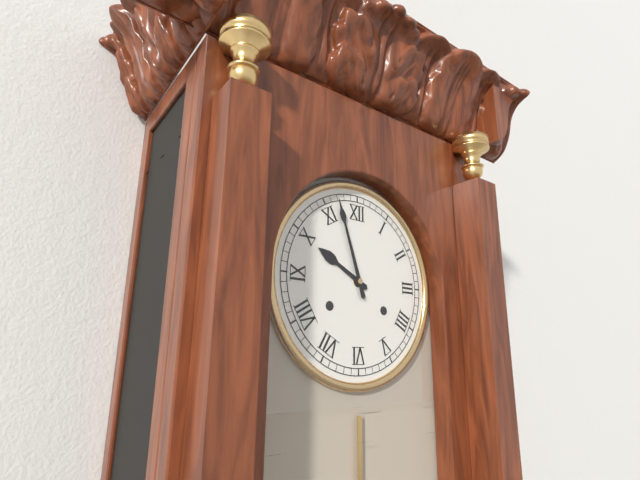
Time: 9h57
